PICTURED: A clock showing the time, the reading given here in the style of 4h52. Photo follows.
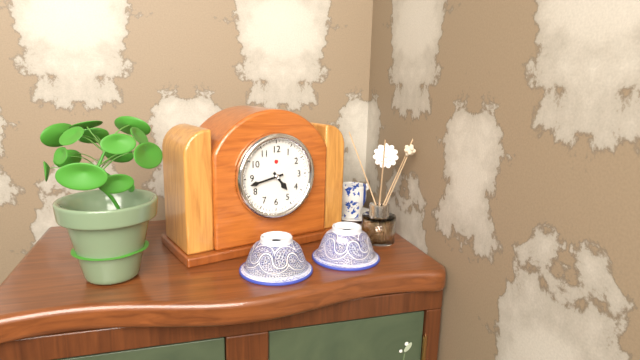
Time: 4h43
